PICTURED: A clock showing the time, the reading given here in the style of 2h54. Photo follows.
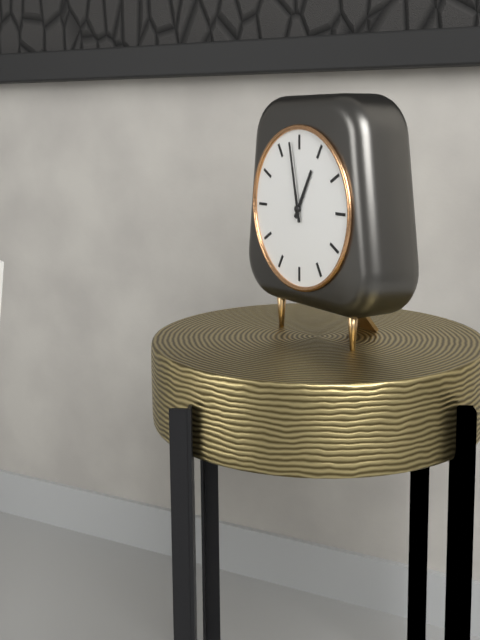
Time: 12h58
